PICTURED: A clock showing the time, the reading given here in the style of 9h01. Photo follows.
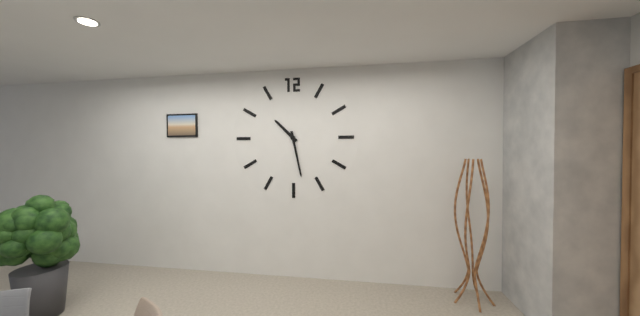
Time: 10h28
